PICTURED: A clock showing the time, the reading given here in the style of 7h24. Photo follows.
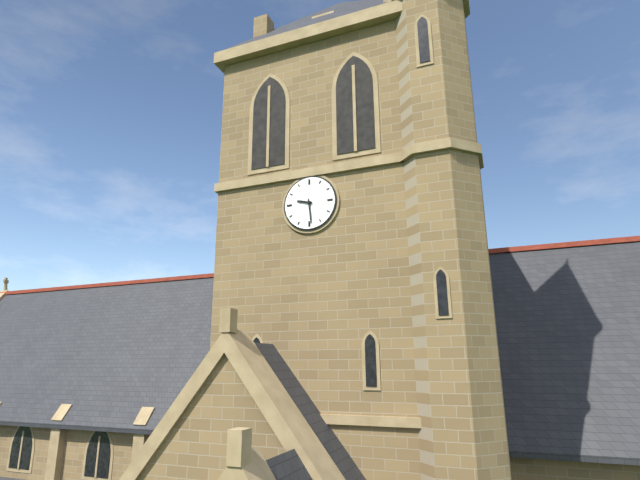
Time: 9h29
